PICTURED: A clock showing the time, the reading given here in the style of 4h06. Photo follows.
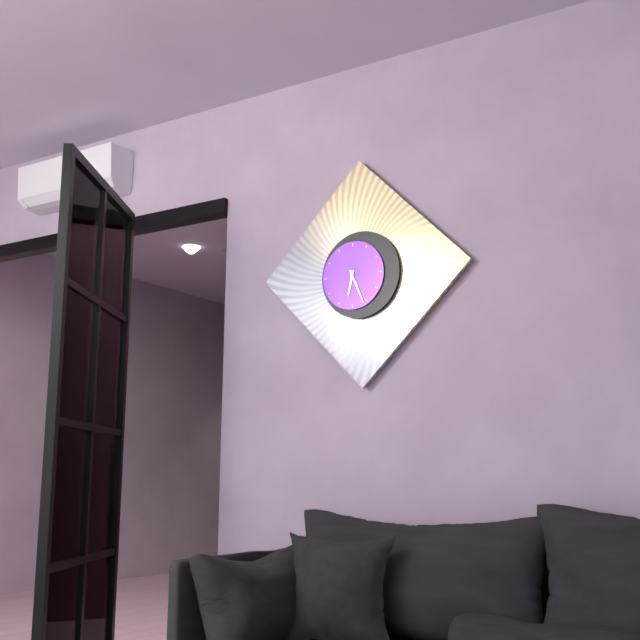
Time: 6h26
